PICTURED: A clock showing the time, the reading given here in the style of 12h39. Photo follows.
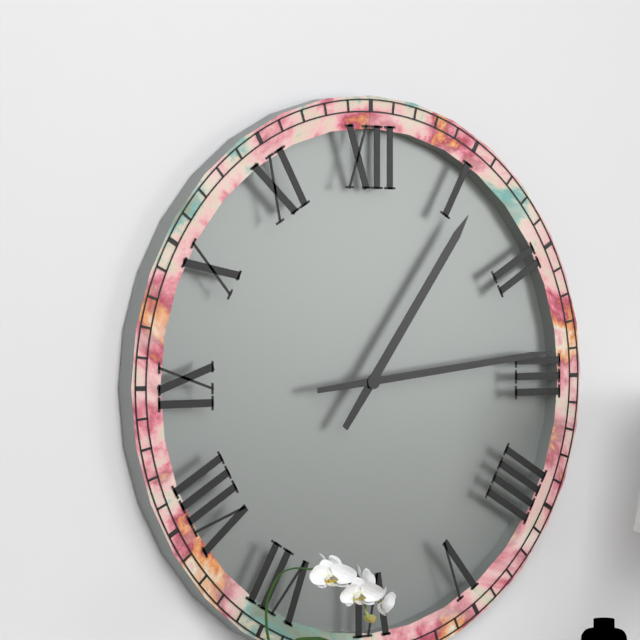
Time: 1h14
